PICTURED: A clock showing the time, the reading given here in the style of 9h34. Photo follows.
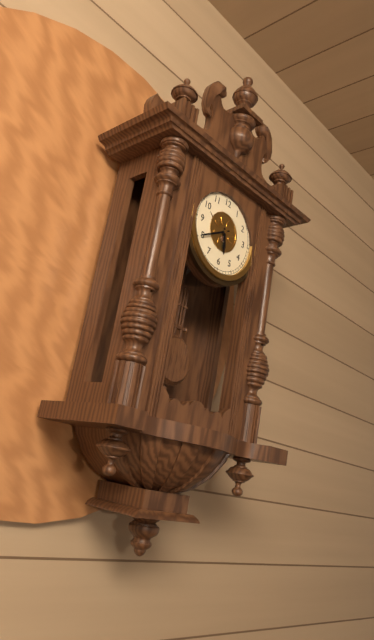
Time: 5h40
